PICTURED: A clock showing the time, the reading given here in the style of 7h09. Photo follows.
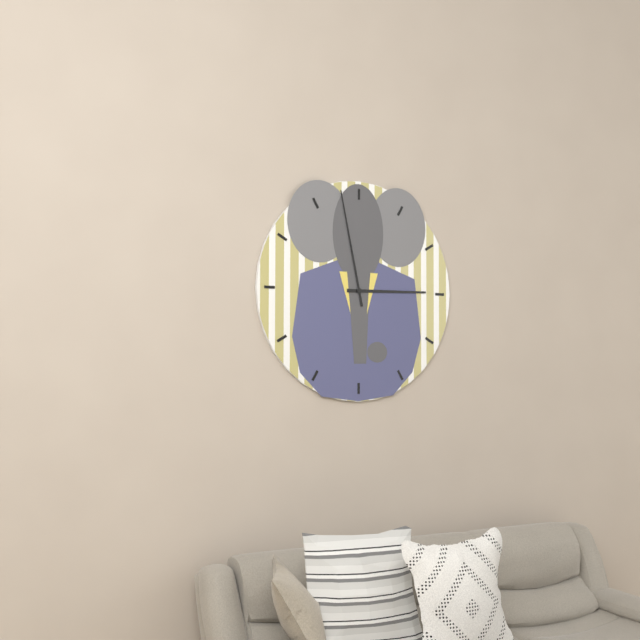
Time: 2h58
